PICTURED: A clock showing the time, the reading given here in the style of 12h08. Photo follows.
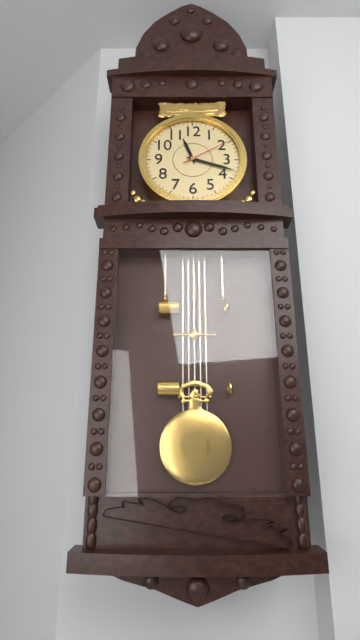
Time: 11h18
